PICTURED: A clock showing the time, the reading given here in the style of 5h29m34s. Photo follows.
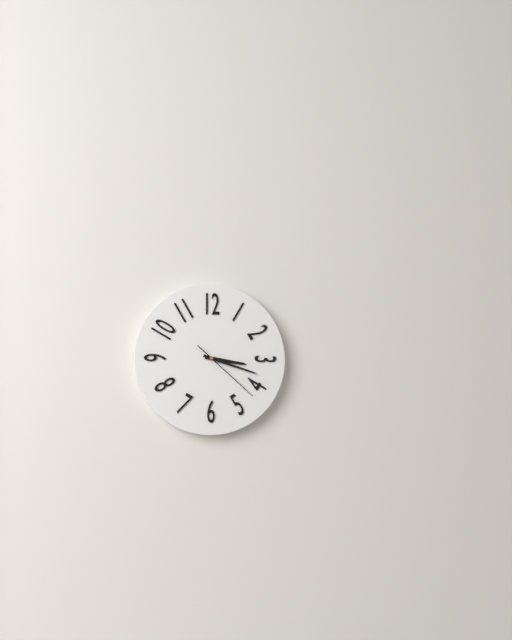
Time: 3h18m22s
